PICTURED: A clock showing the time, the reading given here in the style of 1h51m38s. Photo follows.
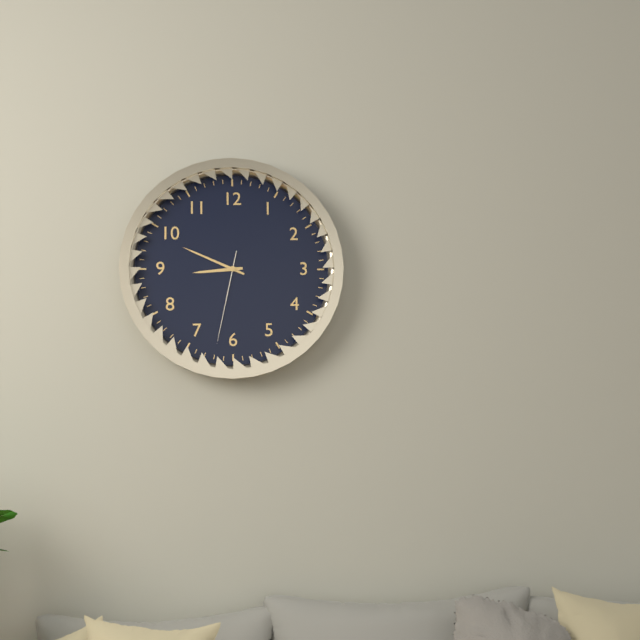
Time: 8h49m32s
